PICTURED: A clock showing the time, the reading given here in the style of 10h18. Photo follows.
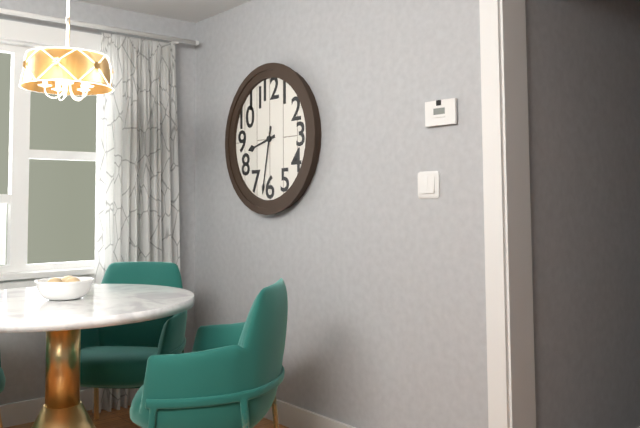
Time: 8h32
